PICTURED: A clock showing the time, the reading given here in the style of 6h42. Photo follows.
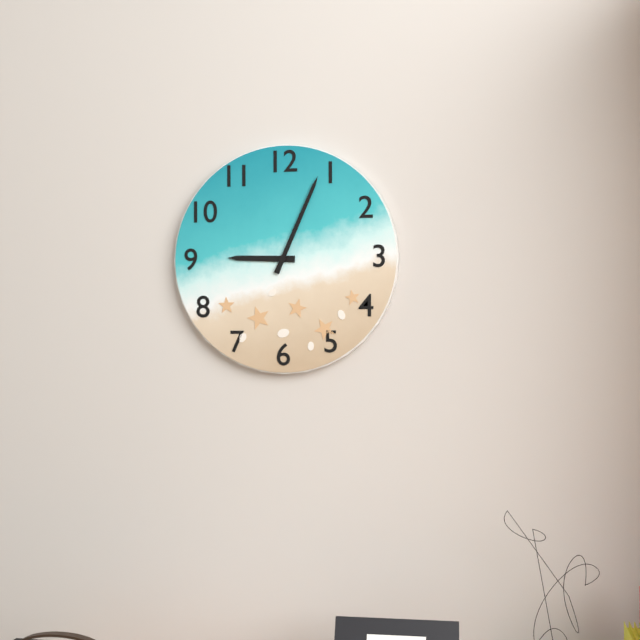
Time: 9h04
